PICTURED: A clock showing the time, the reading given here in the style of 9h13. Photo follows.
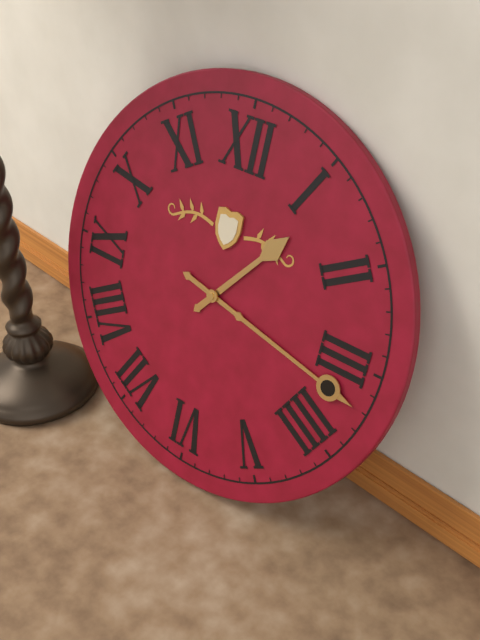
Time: 1h17
